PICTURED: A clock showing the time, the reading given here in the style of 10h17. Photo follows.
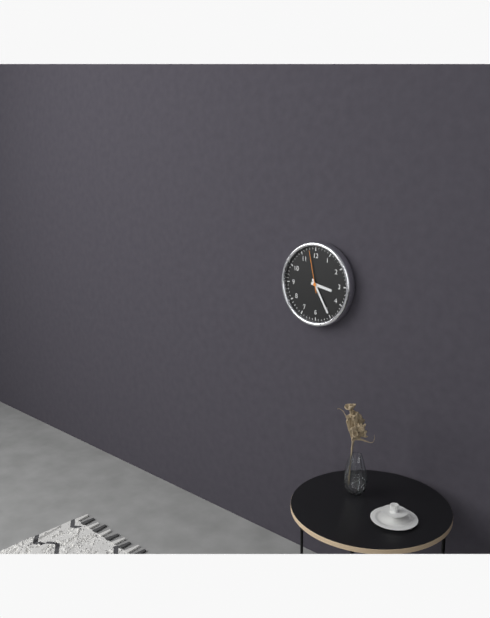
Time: 3h25
